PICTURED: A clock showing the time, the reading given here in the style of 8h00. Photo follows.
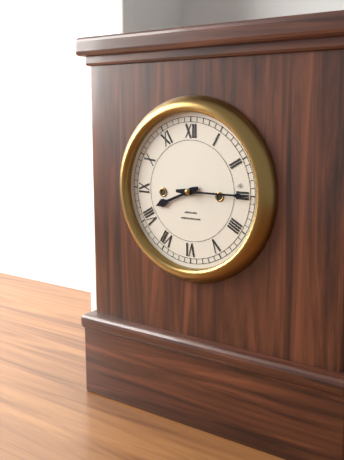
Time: 8h15
